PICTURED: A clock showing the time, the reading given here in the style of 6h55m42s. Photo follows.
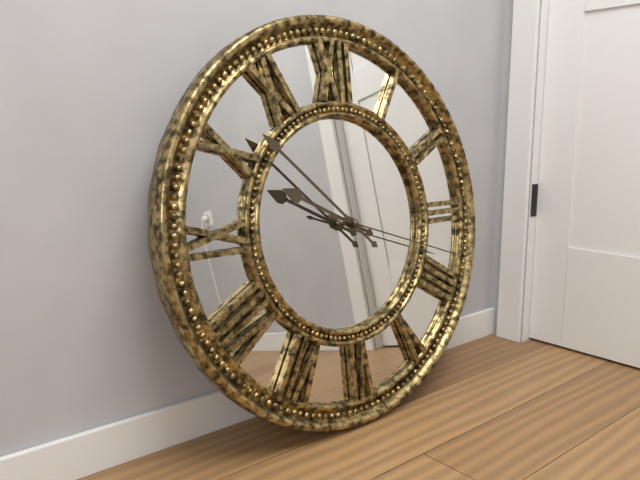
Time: 9h52m18s
